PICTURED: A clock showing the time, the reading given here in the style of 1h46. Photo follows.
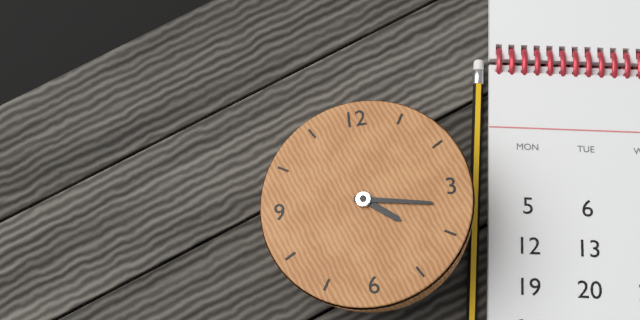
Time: 4h17
